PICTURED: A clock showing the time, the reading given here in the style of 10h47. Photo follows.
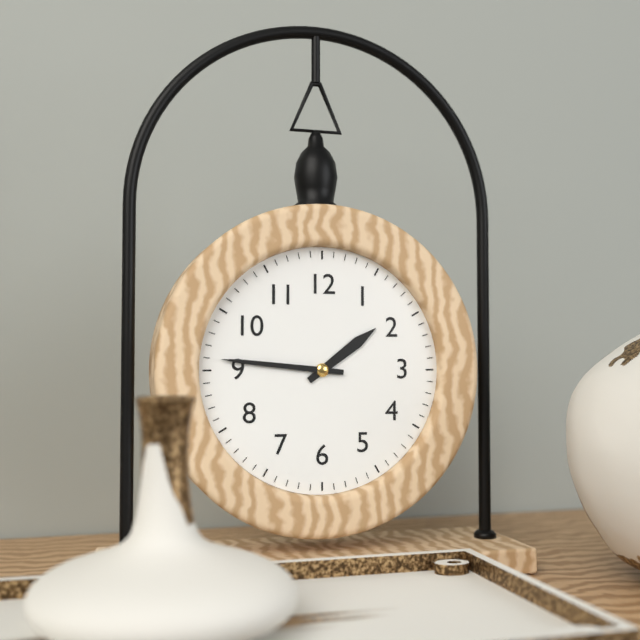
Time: 1h46
